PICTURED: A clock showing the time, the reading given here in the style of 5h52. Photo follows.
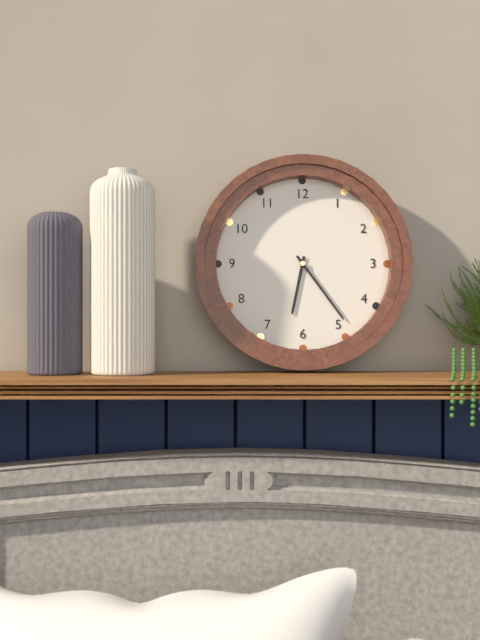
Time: 6h24
